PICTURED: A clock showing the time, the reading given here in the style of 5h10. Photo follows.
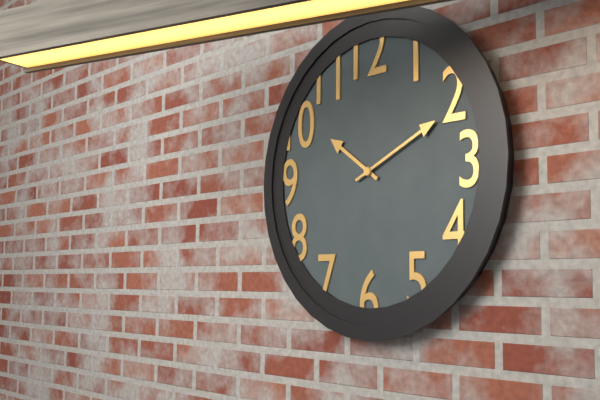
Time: 10h11
